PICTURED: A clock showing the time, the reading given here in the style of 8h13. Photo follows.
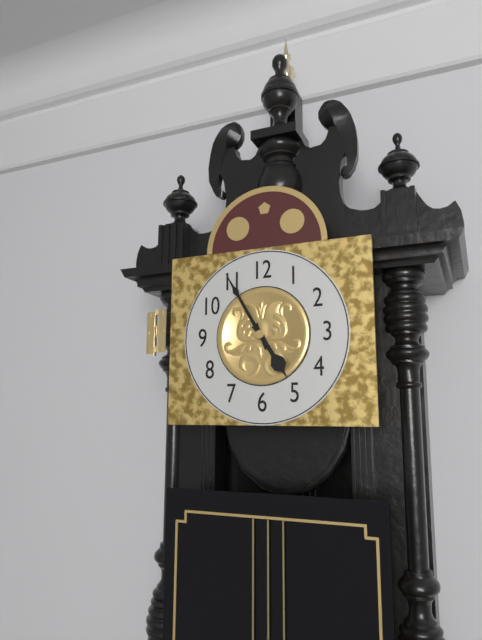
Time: 4h55
